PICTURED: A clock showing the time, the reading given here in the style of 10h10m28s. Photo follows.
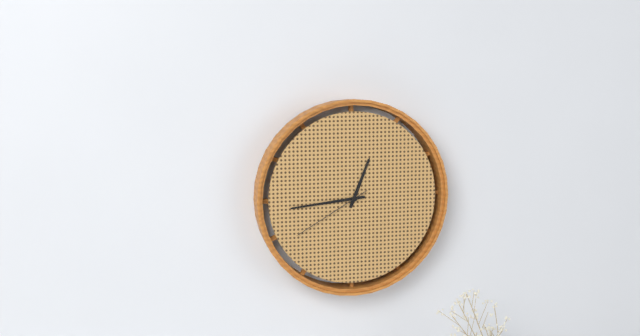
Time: 12h44m40s
